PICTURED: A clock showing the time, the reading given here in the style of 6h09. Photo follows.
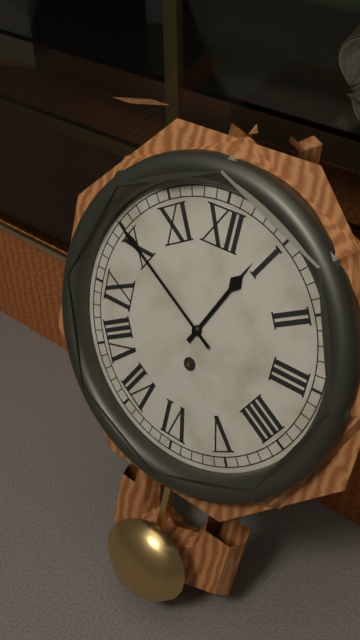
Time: 12h50
